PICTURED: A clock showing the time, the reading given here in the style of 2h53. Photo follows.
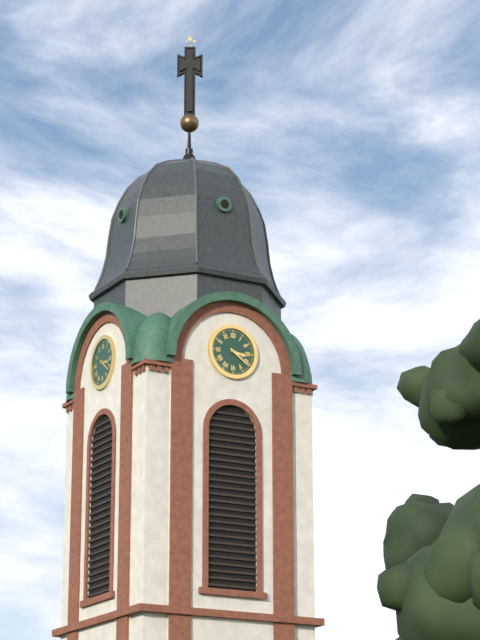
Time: 3h21
